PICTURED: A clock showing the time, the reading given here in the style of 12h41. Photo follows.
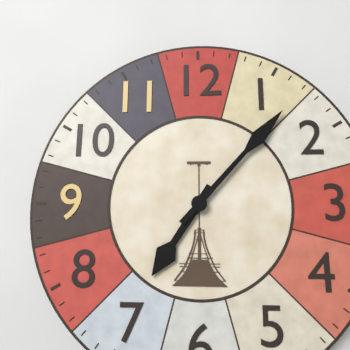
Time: 7h07
